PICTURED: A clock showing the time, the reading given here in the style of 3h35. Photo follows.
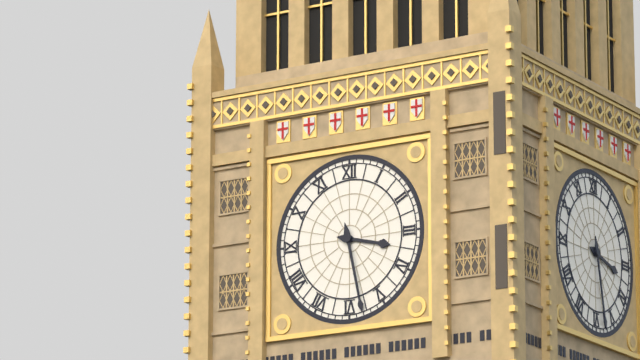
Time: 3h28
